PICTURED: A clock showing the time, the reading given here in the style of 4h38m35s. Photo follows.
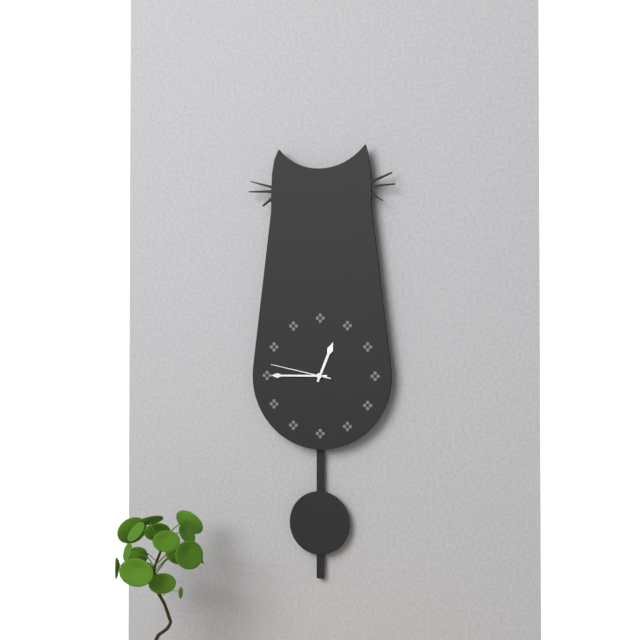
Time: 12h45m47s
